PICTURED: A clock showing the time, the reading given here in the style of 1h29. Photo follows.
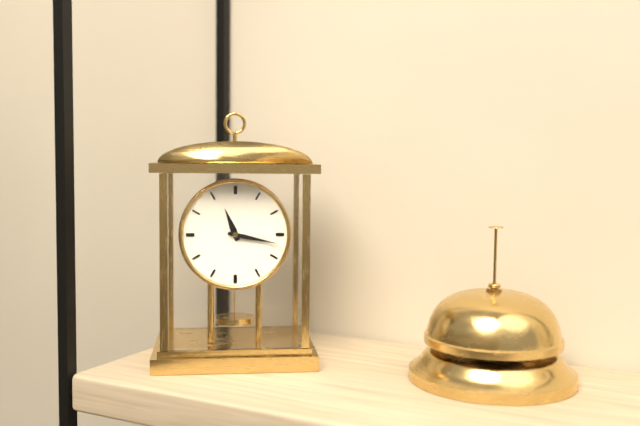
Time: 11h17
